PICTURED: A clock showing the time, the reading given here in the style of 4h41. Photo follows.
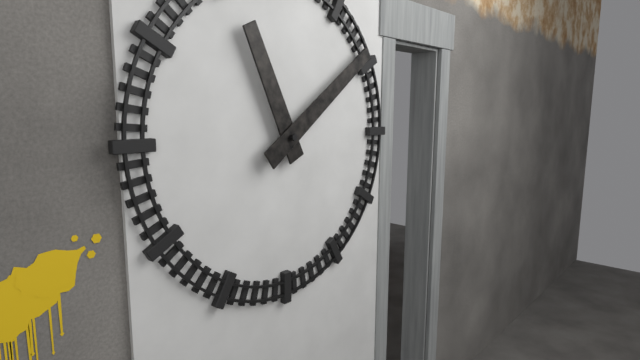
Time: 11h09
